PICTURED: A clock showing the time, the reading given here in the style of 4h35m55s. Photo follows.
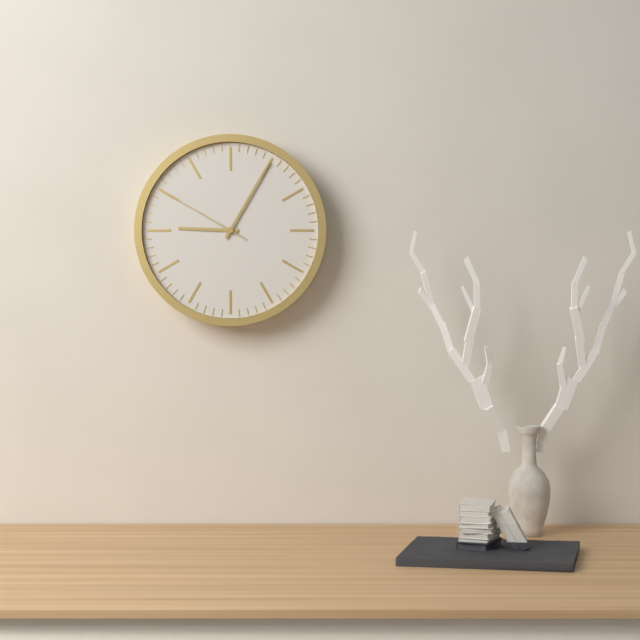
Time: 9h05m50s
